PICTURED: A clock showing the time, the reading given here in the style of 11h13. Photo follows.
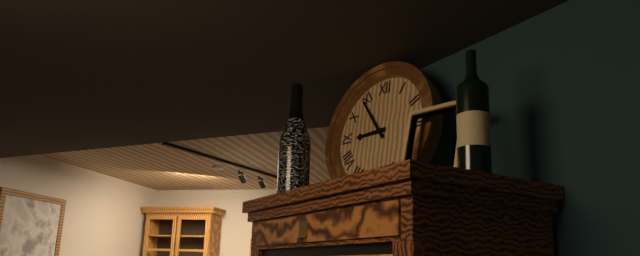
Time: 8h54
